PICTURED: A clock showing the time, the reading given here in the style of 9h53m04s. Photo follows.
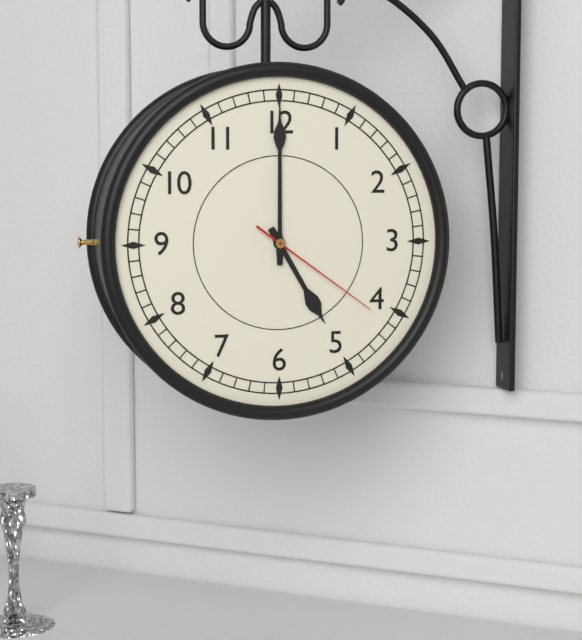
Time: 5h00m21s
